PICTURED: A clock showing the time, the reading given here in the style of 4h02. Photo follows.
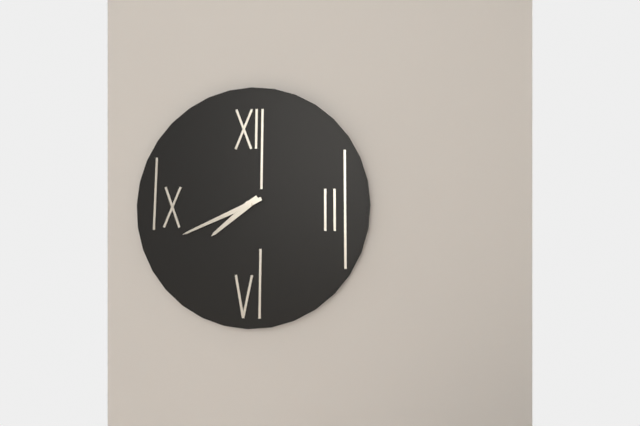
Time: 7h41
